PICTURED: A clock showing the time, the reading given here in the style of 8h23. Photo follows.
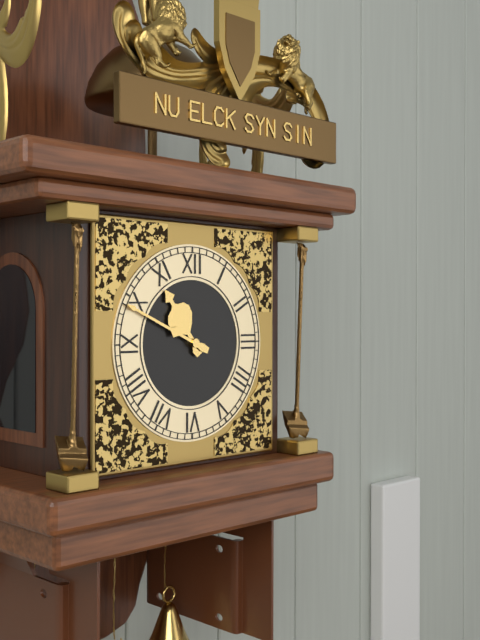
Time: 10h49
